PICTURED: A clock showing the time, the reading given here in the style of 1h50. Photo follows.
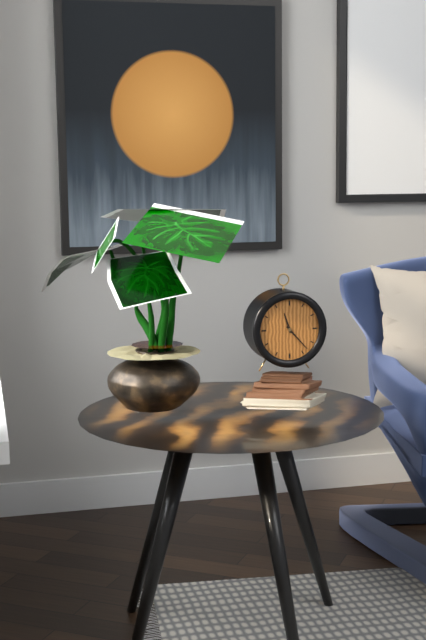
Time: 11h23
